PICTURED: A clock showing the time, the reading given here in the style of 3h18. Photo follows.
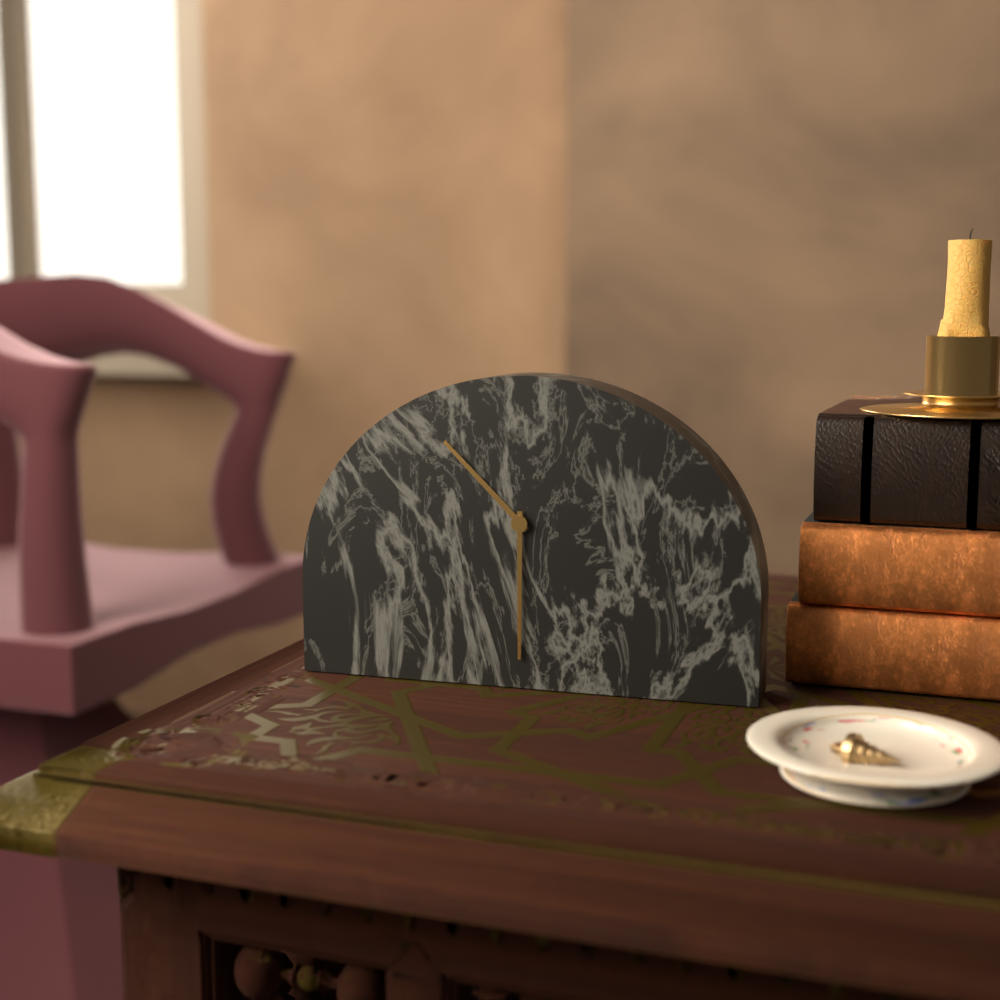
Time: 10h30
